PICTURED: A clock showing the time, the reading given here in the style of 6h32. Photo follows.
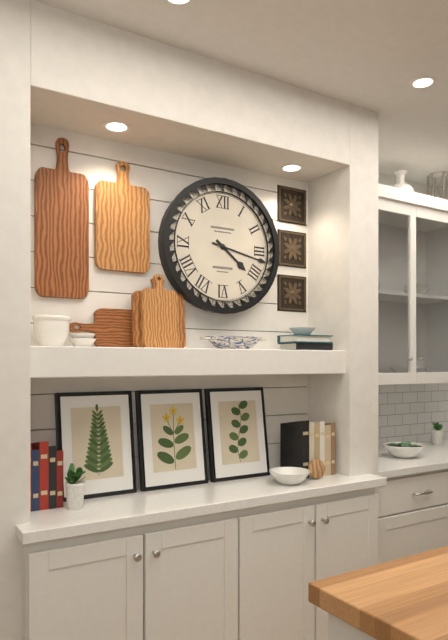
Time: 4h17
